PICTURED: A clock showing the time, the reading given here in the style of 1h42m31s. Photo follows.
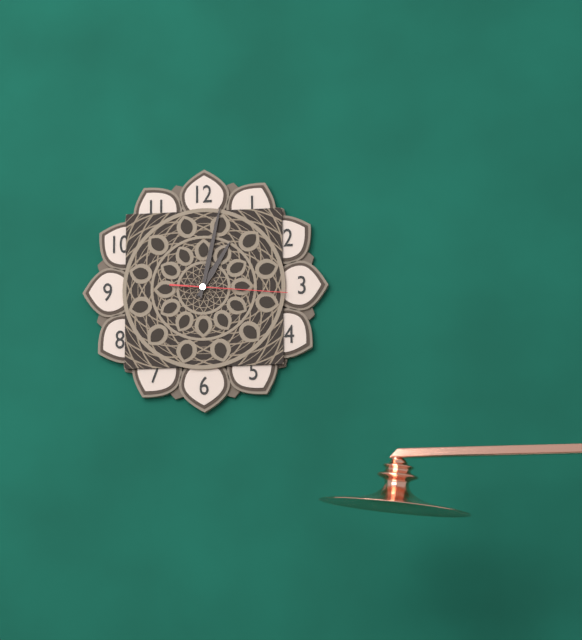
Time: 1h02m16s
